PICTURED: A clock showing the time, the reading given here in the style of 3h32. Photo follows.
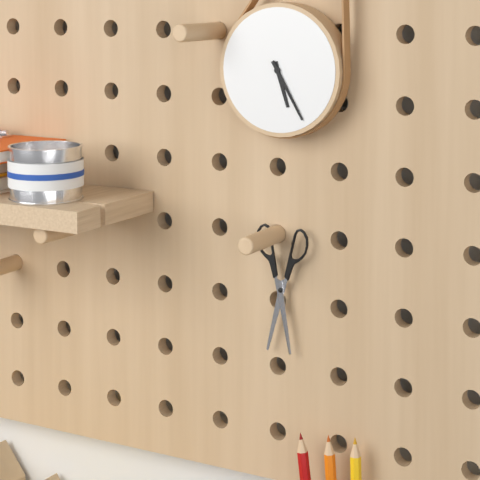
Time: 5h25
